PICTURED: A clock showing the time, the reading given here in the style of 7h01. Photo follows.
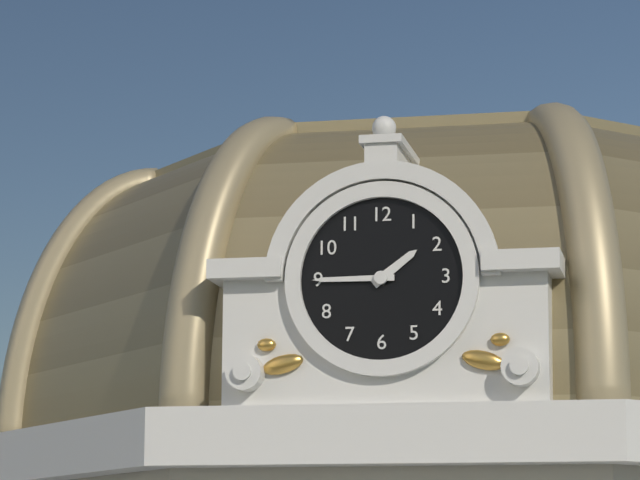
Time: 1h45
